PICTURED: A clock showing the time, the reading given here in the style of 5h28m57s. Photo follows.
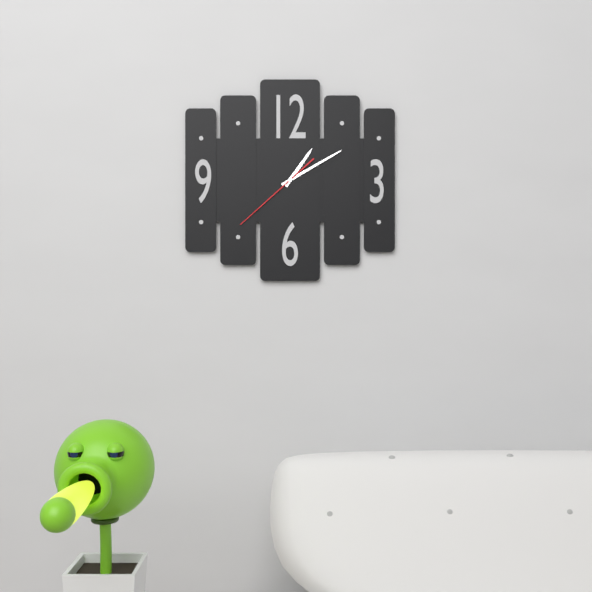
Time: 1h10m38s
